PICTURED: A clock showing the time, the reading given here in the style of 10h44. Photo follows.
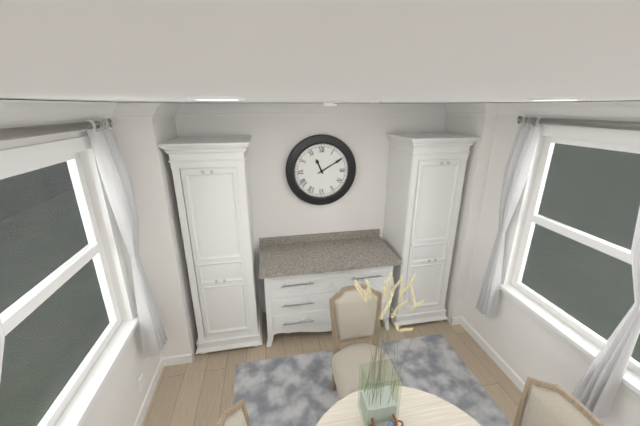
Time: 11h10
